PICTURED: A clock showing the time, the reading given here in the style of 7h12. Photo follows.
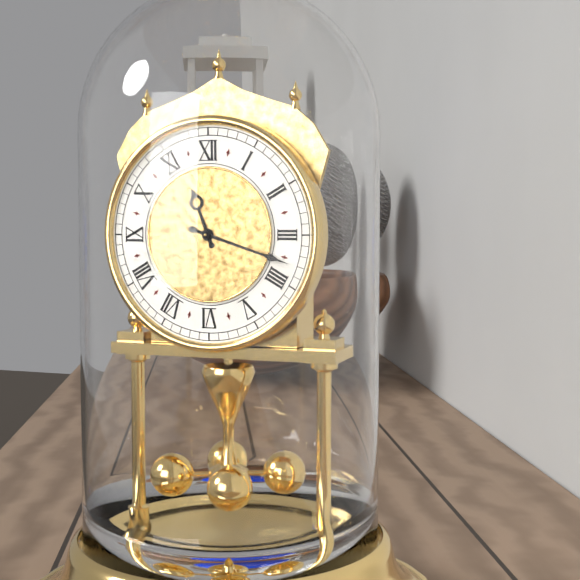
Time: 11h18
